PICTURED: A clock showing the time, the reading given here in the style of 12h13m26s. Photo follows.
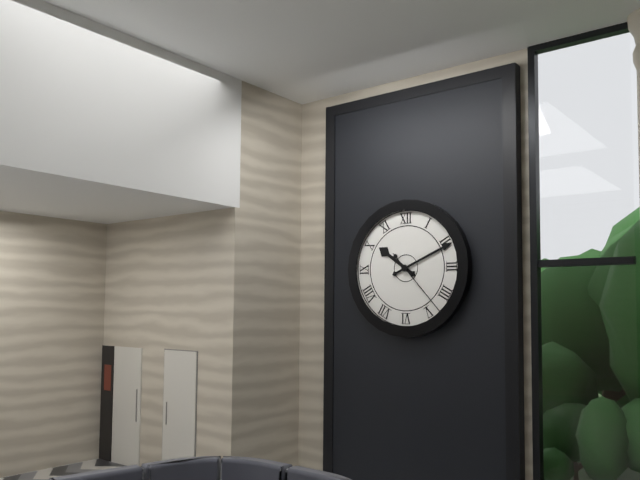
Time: 10h11m23s
